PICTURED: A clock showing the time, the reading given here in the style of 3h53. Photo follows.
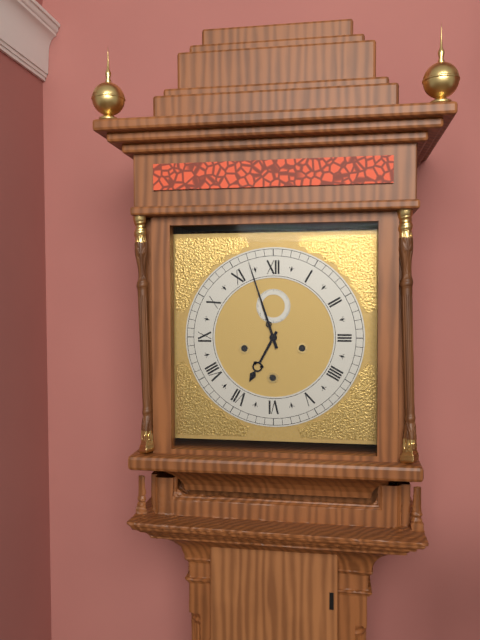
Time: 6h57
